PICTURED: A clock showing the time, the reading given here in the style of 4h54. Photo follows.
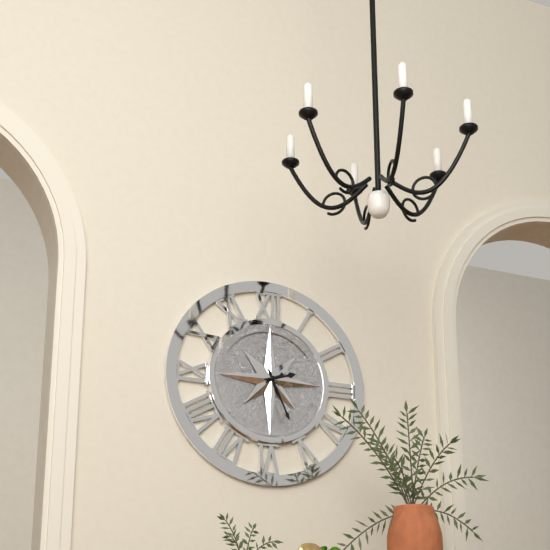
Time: 2h26
